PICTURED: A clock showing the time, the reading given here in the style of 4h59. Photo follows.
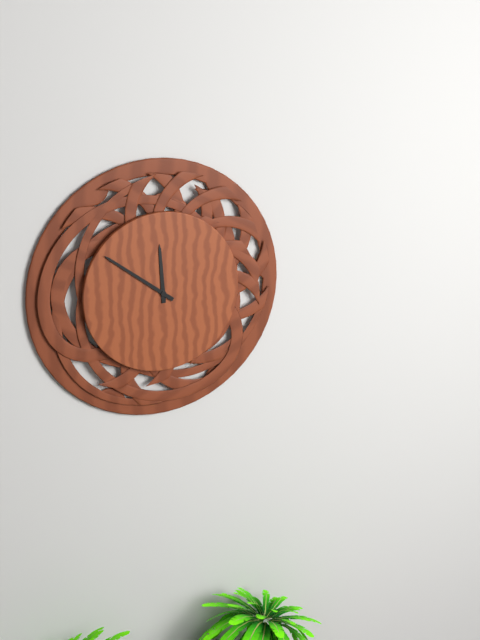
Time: 11h51
